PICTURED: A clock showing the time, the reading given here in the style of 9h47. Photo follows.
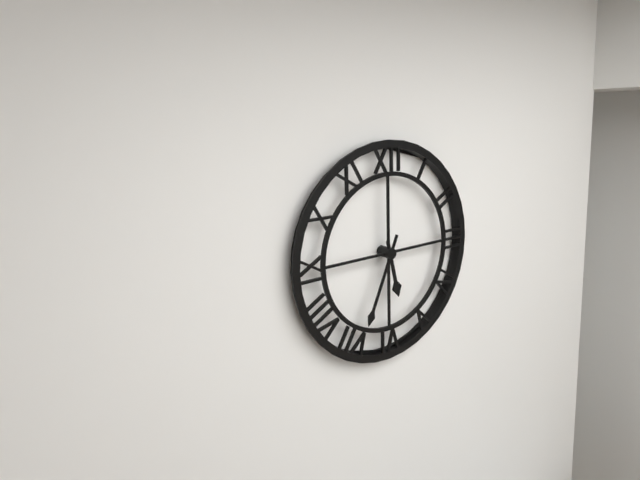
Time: 5h34
